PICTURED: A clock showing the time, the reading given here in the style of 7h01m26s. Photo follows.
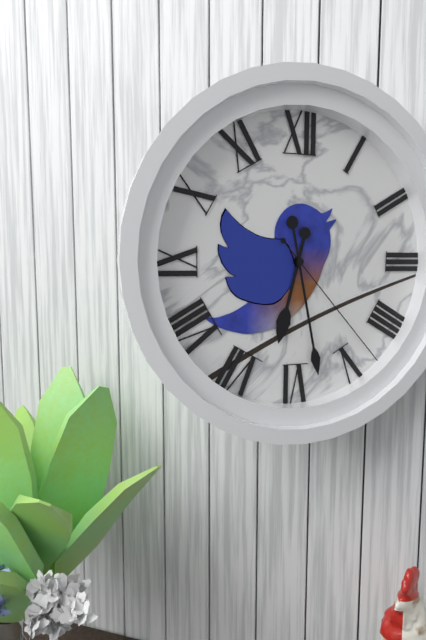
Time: 6h28m23s
